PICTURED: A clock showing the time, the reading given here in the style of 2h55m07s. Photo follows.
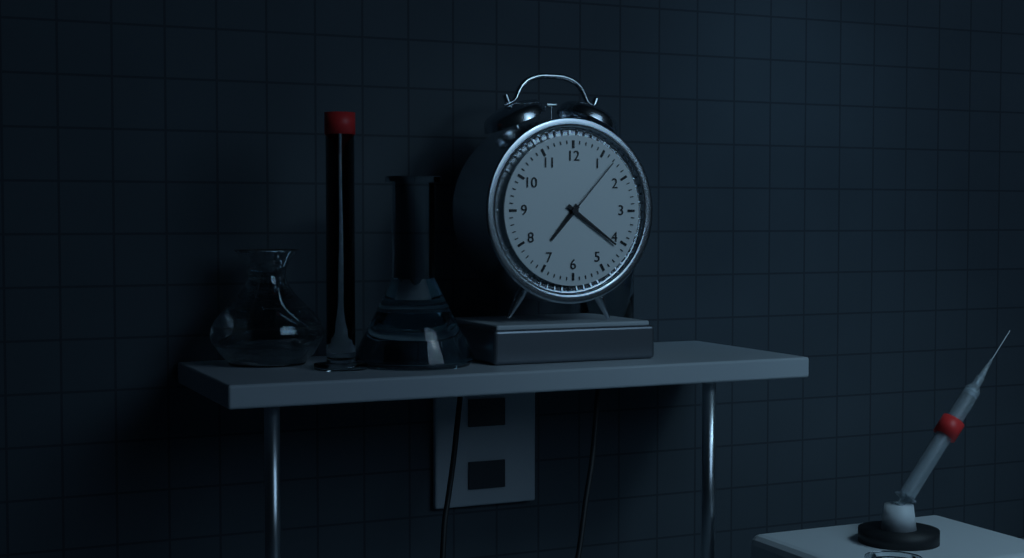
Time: 7h21m07s
